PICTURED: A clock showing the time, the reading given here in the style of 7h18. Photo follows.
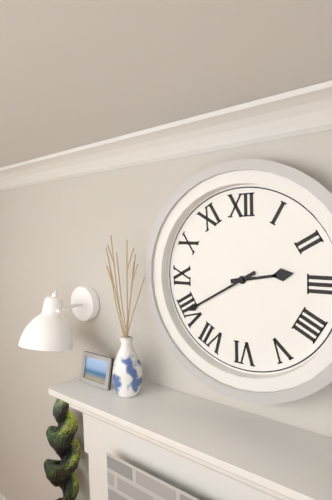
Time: 2h40
